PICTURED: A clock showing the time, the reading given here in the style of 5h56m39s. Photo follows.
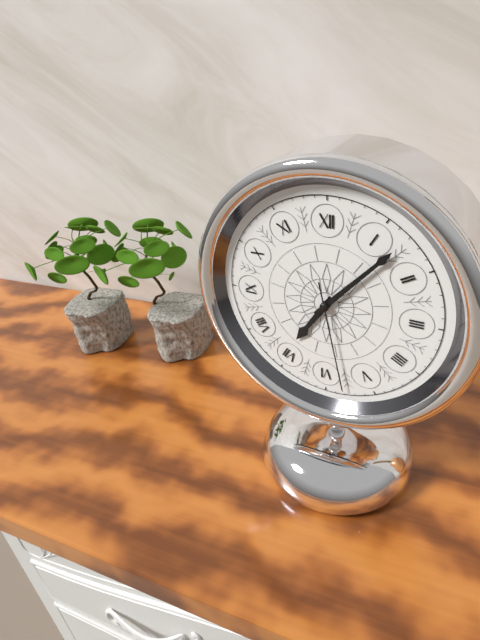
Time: 7h07m28s
